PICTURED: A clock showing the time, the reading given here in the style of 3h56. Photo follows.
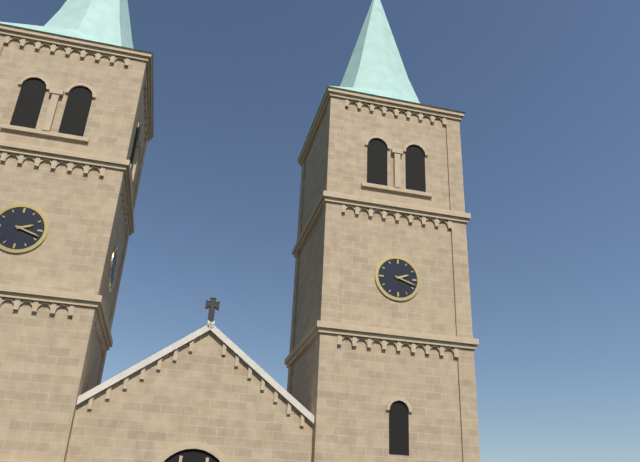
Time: 2h18
